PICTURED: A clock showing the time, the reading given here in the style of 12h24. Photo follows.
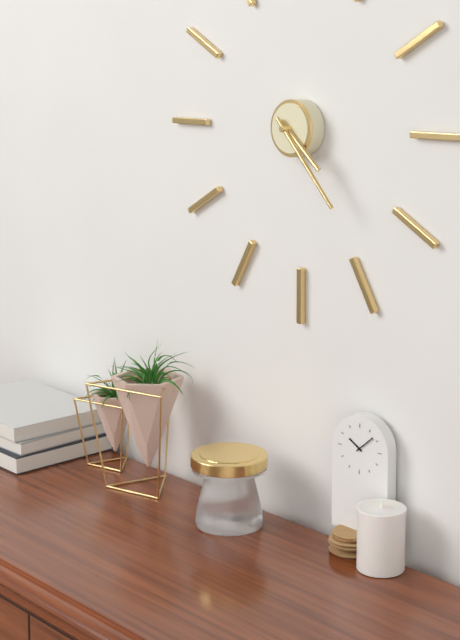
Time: 4h23
